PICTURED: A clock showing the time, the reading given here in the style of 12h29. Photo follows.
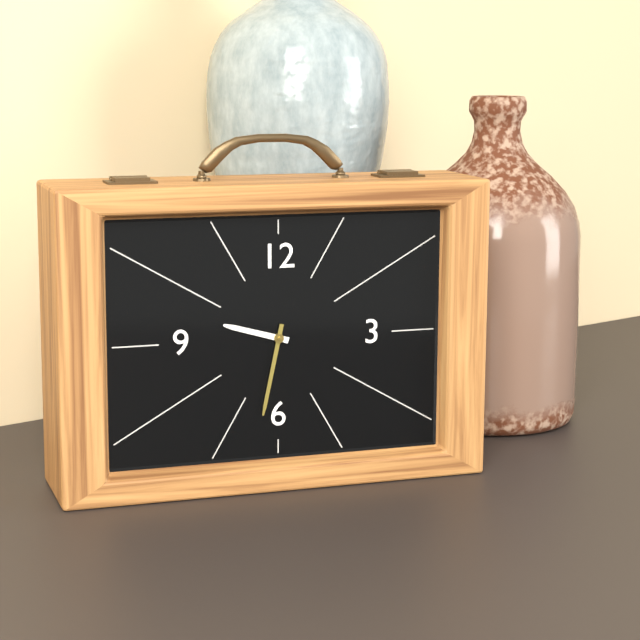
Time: 9h32
